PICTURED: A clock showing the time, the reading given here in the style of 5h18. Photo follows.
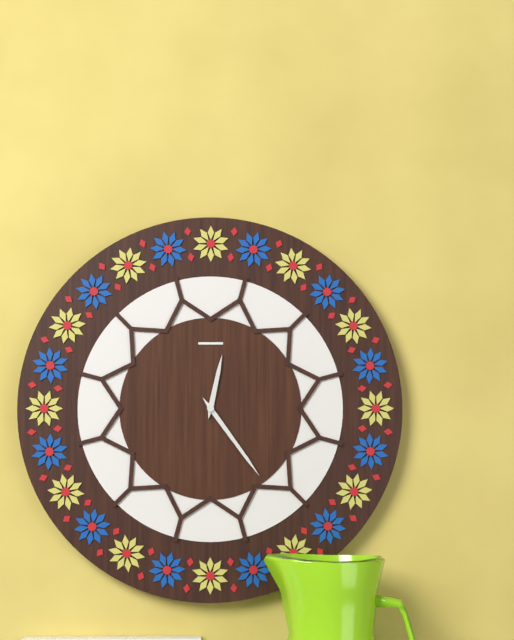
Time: 12h24
